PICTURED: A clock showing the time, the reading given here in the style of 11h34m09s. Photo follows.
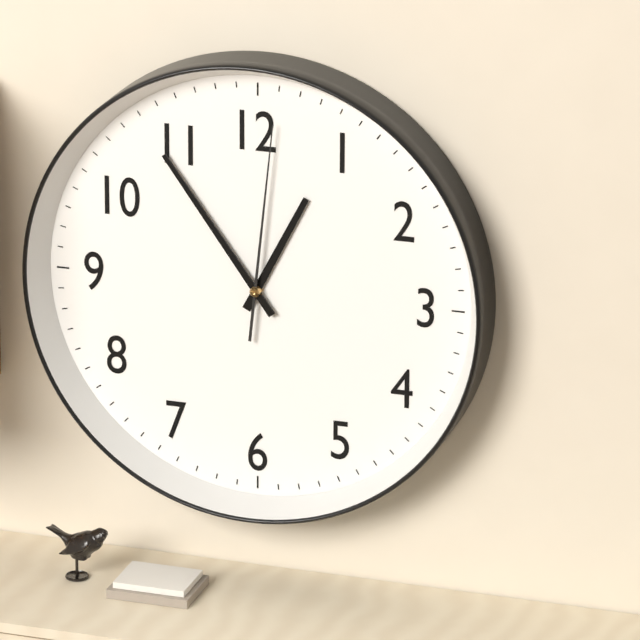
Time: 12h54m01s
